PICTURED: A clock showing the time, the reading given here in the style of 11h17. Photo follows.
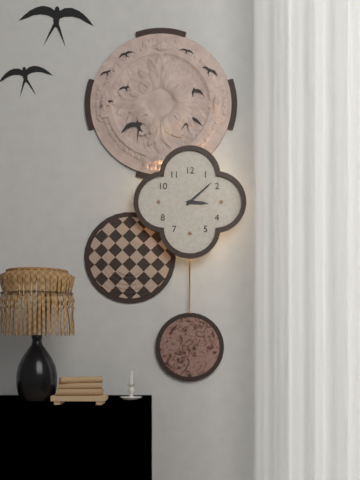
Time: 3h08
